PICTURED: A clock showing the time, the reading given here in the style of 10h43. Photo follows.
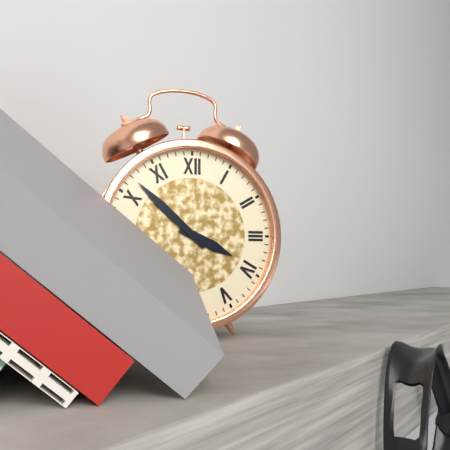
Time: 3h52
